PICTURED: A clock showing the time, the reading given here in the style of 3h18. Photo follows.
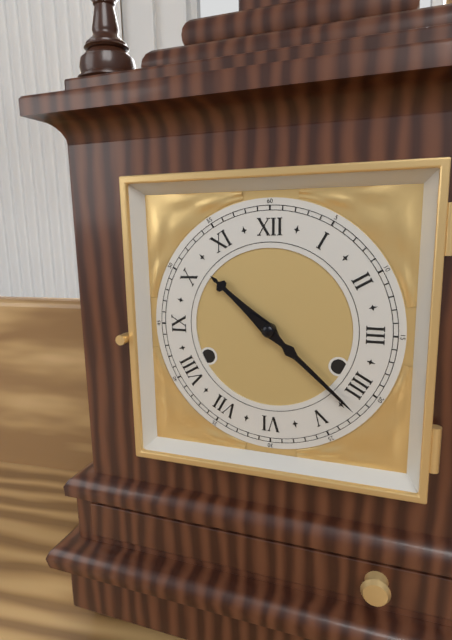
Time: 10h22
